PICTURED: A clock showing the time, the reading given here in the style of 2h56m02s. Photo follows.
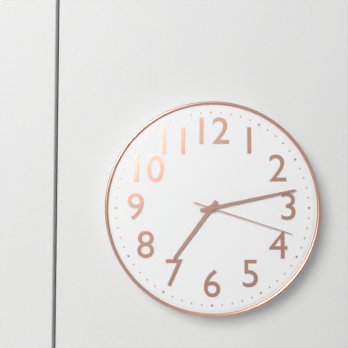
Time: 7h13m18s
